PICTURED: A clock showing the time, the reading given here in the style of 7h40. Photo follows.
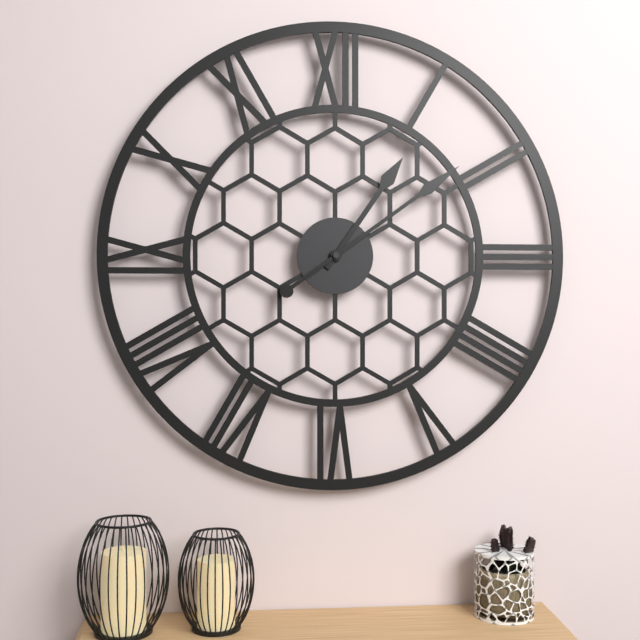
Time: 1h09
